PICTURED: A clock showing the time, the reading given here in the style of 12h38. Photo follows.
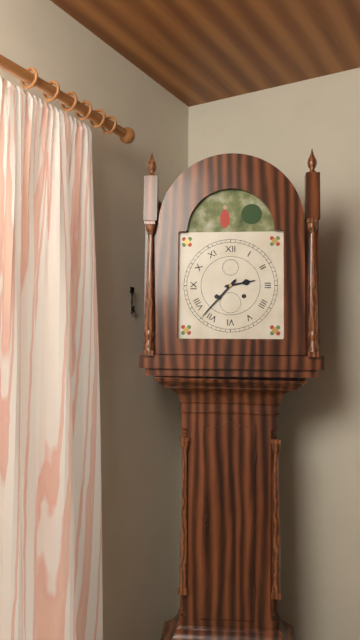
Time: 2h37
